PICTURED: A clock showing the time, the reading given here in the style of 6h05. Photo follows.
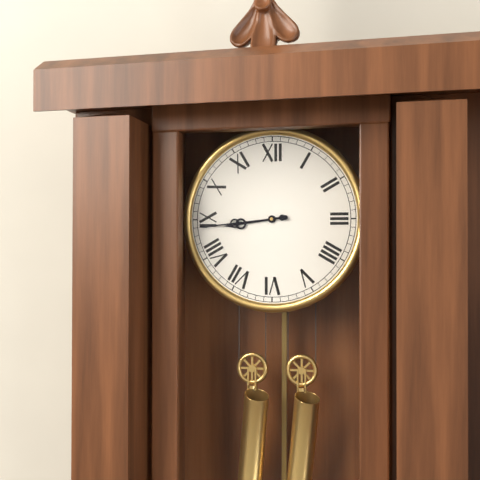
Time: 8h44
